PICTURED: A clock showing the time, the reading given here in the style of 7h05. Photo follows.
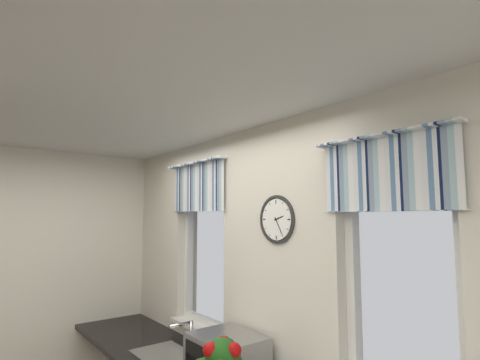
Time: 2h25
